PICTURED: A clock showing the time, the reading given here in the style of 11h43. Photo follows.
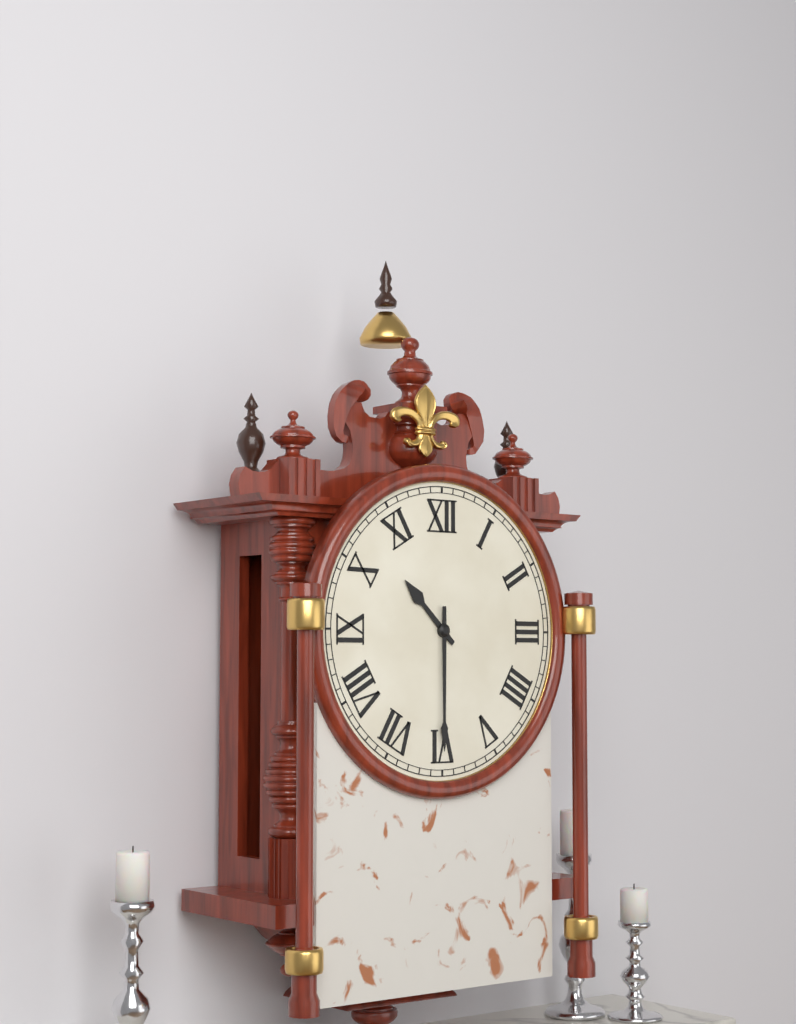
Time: 10h30
